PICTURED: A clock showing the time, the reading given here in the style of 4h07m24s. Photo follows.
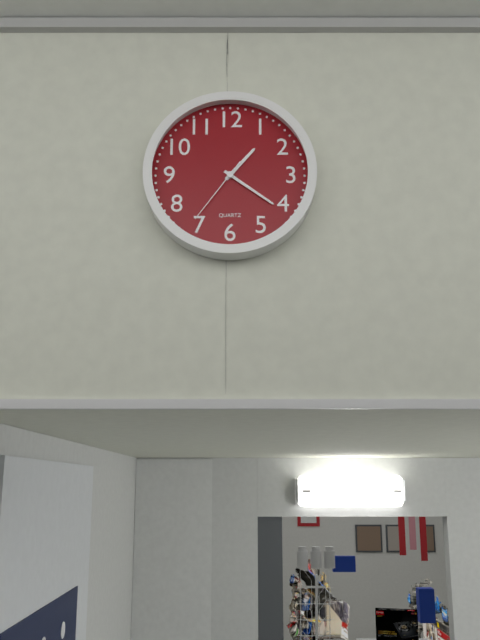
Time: 1h21m36s
